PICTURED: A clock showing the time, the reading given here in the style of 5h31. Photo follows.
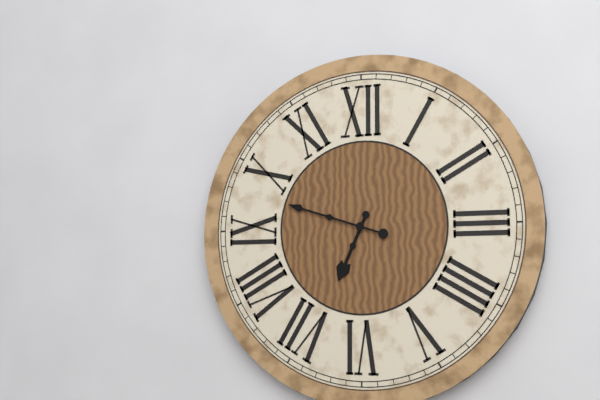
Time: 6h48
